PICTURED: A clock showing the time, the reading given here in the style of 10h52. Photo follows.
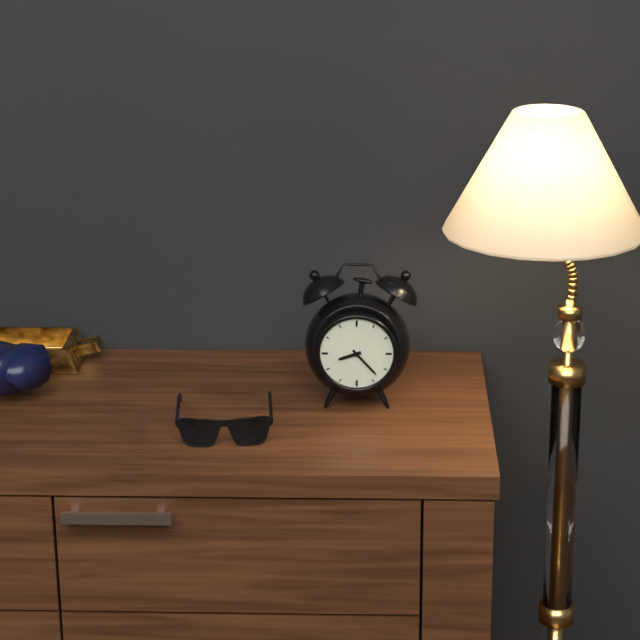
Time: 8h23
